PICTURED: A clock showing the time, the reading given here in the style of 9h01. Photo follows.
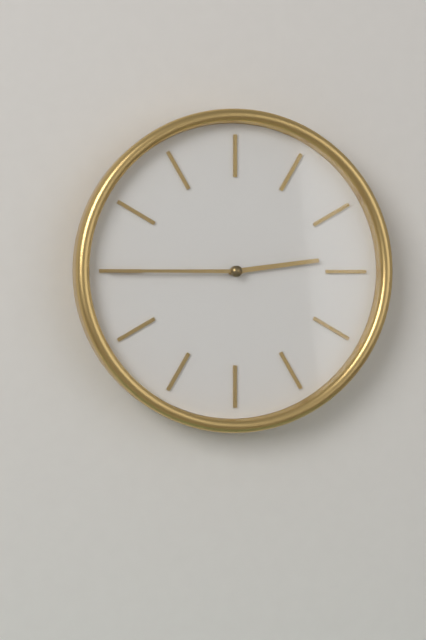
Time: 2h45
